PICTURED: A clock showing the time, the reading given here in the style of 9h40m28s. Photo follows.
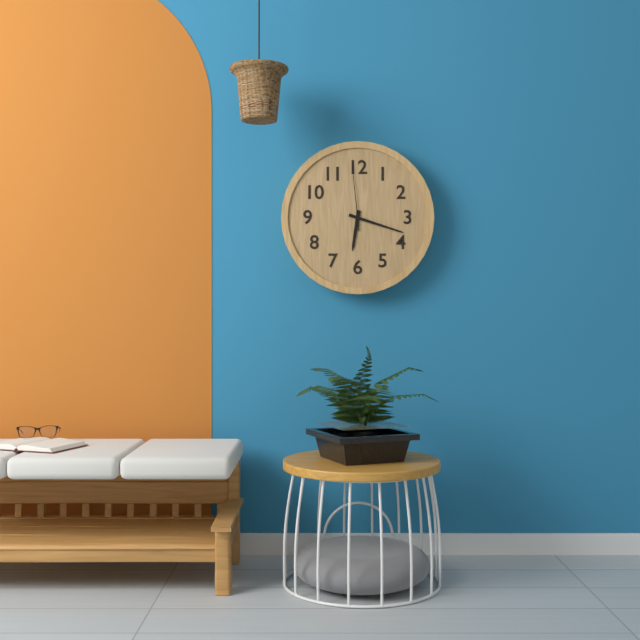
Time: 6h18m59s
